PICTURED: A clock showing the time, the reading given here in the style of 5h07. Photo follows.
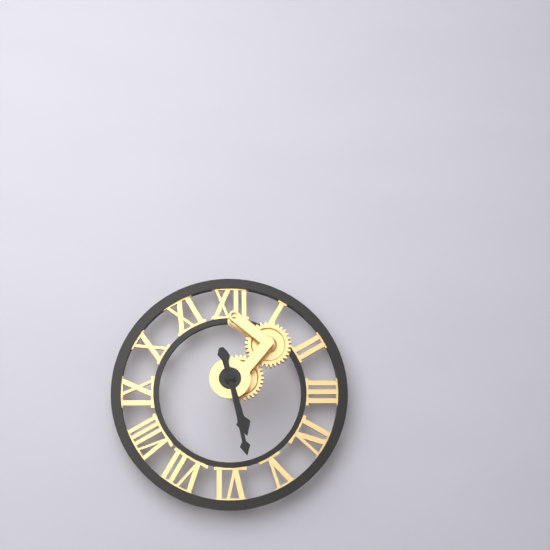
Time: 5h28
